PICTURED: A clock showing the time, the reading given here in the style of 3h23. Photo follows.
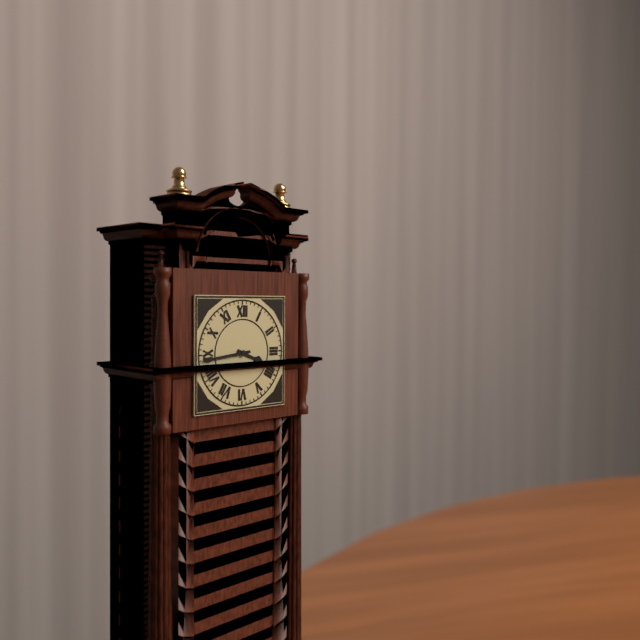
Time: 3h44
